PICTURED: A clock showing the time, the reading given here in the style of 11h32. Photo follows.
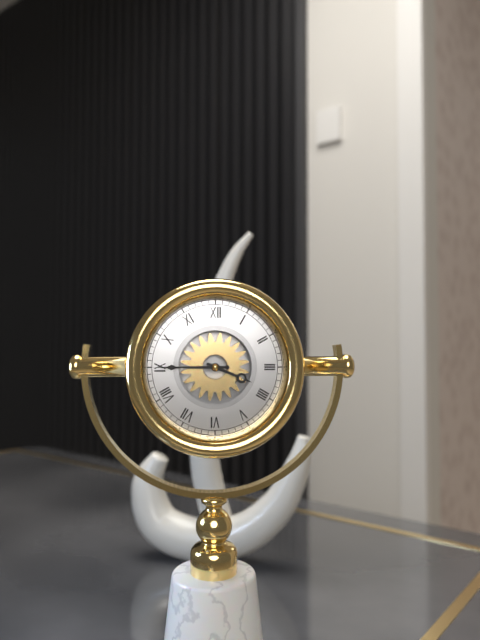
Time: 3h45
